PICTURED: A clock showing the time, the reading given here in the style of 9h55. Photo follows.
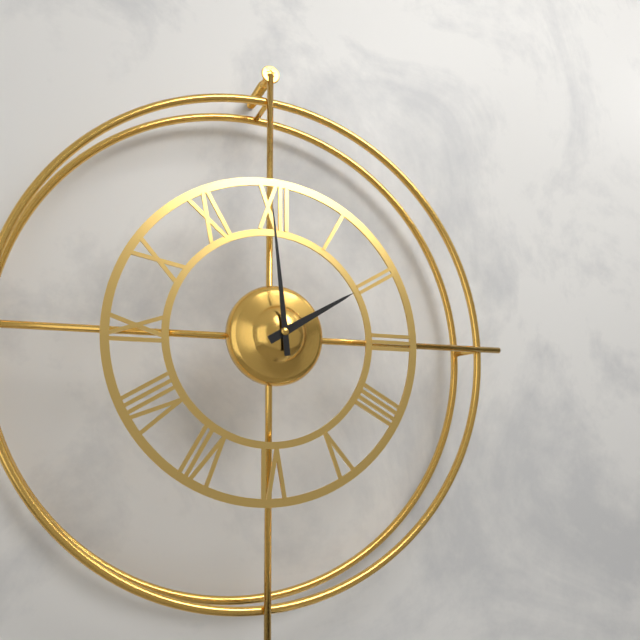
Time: 1h59
